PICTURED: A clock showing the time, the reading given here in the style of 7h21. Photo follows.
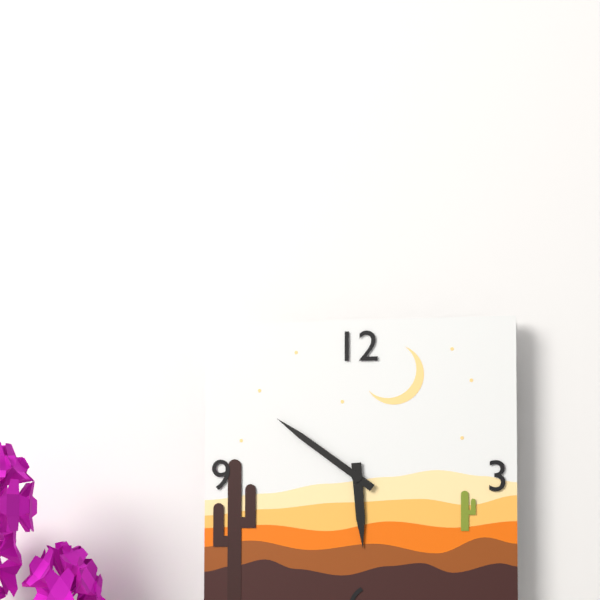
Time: 5h51
